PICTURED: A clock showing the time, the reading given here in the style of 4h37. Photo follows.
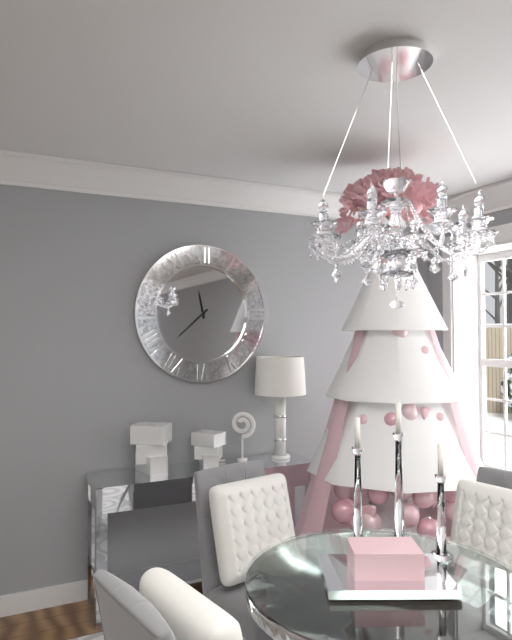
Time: 11h38
